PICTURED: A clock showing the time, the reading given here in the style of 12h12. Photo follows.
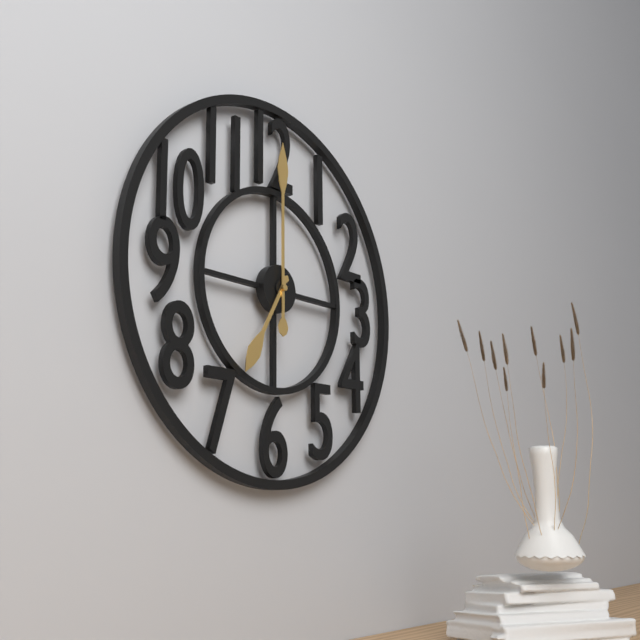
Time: 7h00
